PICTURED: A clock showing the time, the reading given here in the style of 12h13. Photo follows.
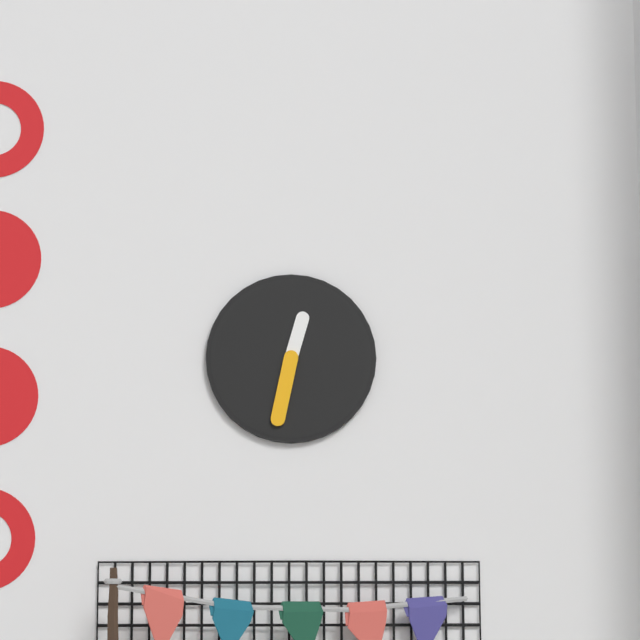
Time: 12h32
